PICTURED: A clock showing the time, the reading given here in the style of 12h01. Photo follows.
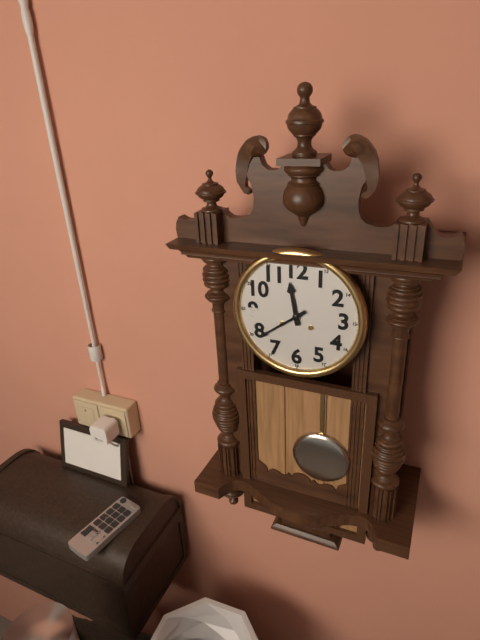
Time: 11h39
